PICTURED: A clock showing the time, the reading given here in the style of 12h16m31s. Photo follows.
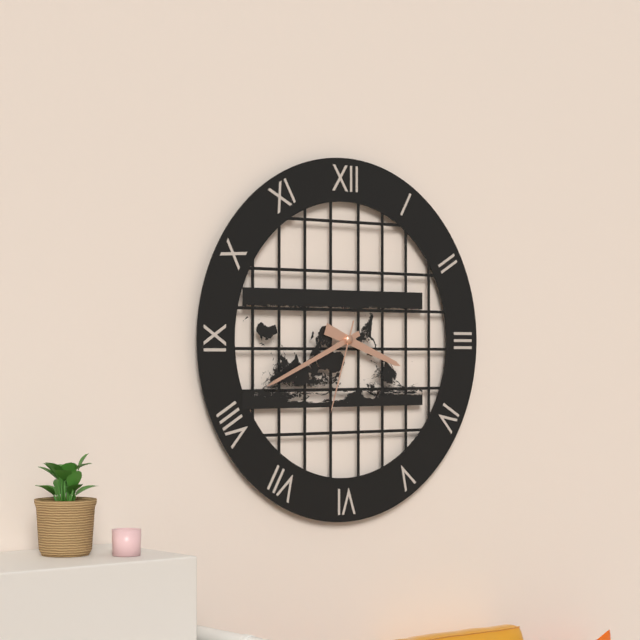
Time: 3h41m33s
